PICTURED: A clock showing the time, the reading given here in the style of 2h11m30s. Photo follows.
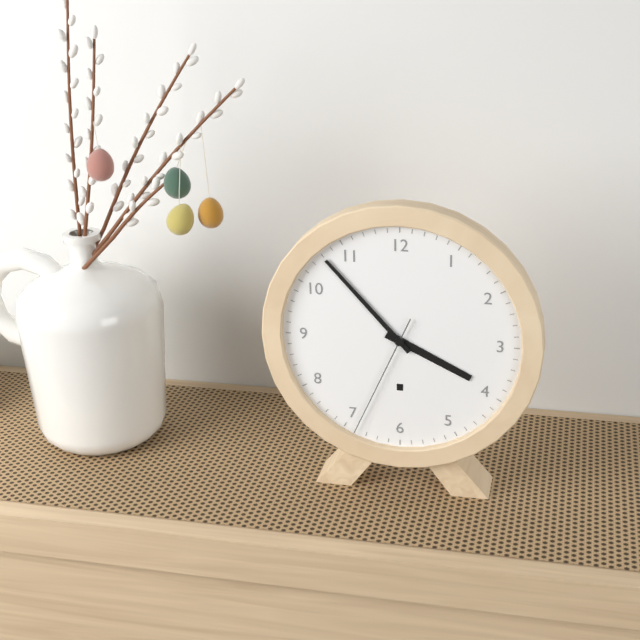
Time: 3h53m34s
